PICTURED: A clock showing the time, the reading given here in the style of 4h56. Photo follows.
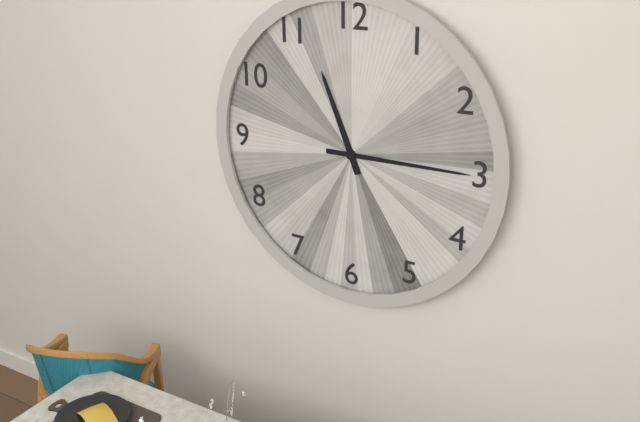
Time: 11h15
